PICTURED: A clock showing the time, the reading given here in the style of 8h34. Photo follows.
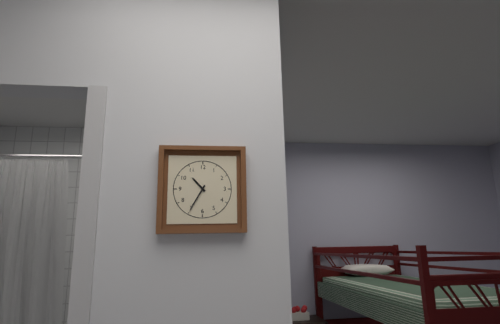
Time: 10h35
